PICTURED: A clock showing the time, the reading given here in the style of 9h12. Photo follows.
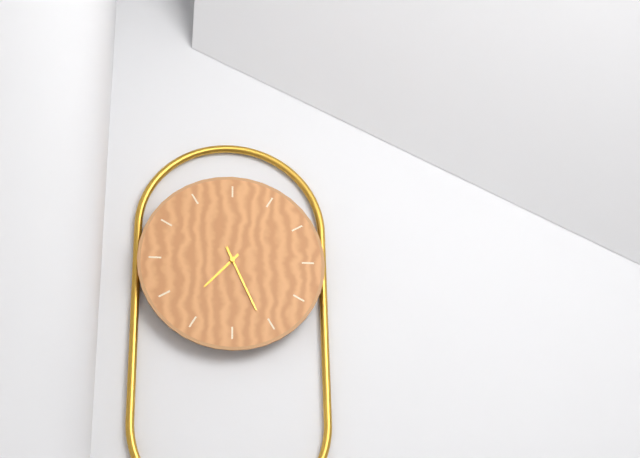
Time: 7h26
